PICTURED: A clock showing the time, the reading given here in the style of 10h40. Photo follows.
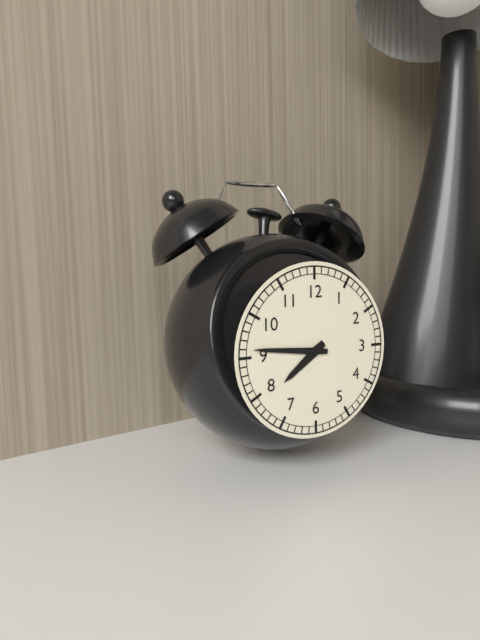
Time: 7h46
